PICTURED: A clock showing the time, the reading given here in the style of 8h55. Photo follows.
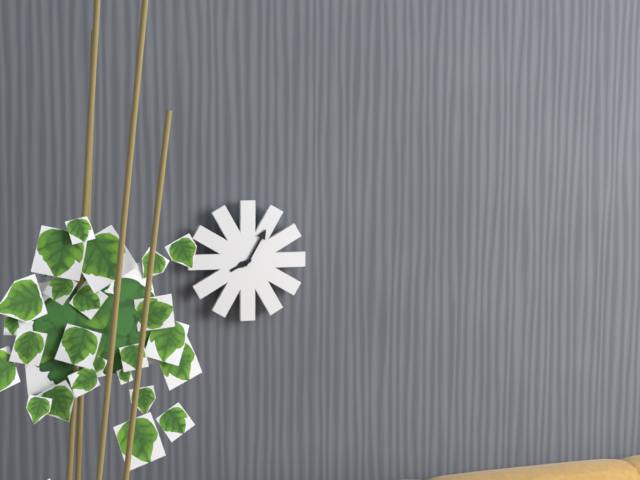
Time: 8h05
